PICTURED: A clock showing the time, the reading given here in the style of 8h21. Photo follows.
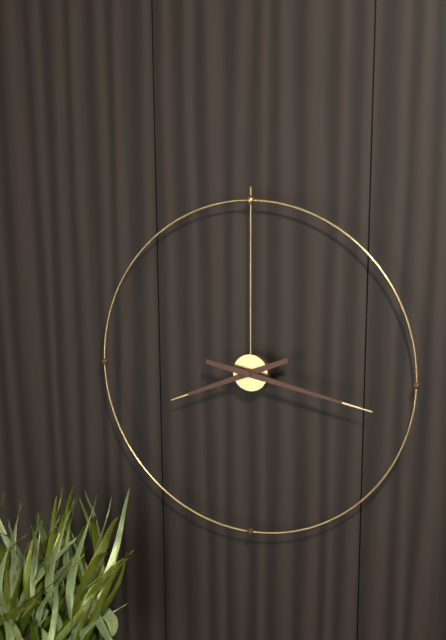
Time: 8h17
